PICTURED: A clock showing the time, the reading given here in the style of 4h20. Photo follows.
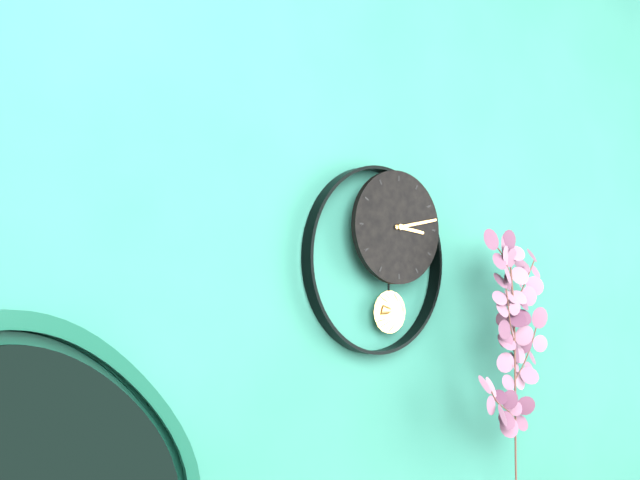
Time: 3h13
